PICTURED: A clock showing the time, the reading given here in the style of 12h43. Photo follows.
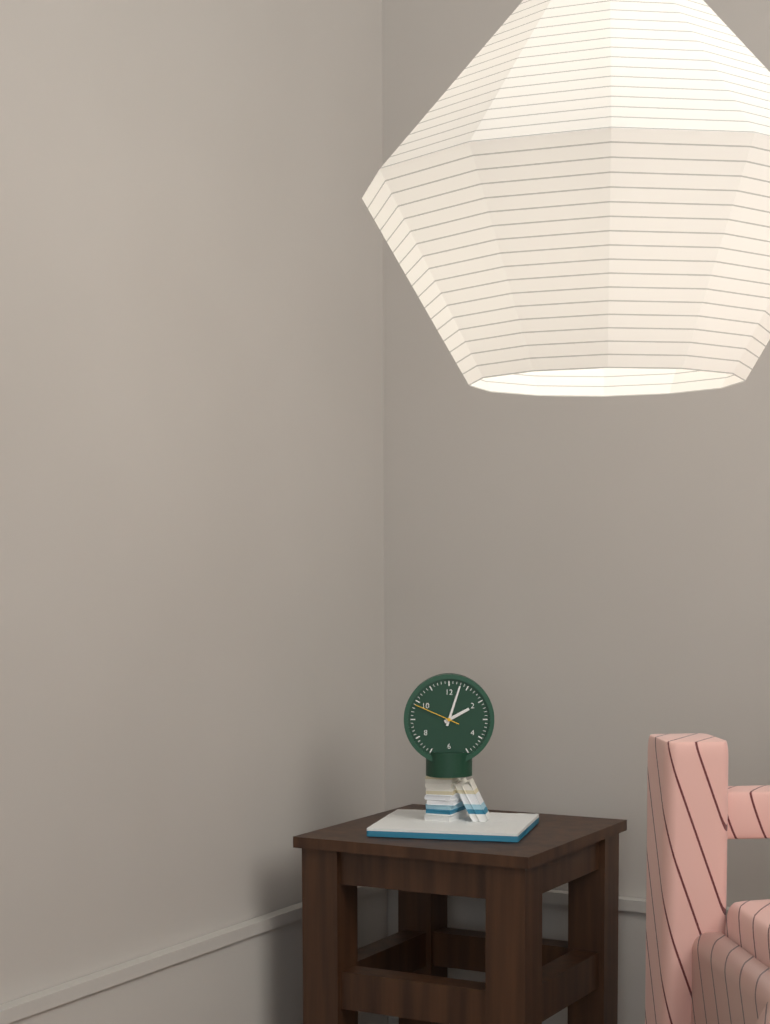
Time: 2h03
